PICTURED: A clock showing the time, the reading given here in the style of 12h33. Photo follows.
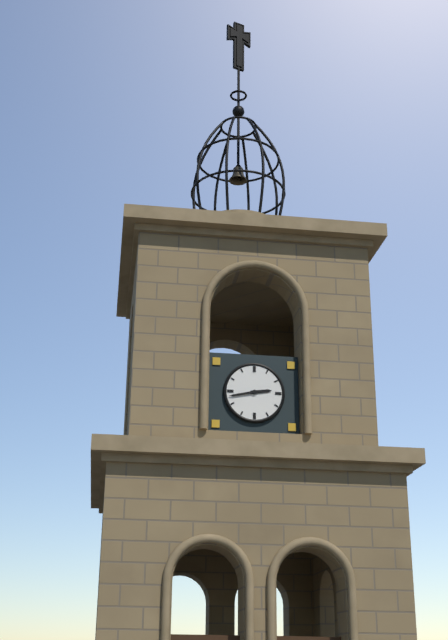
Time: 2h43
